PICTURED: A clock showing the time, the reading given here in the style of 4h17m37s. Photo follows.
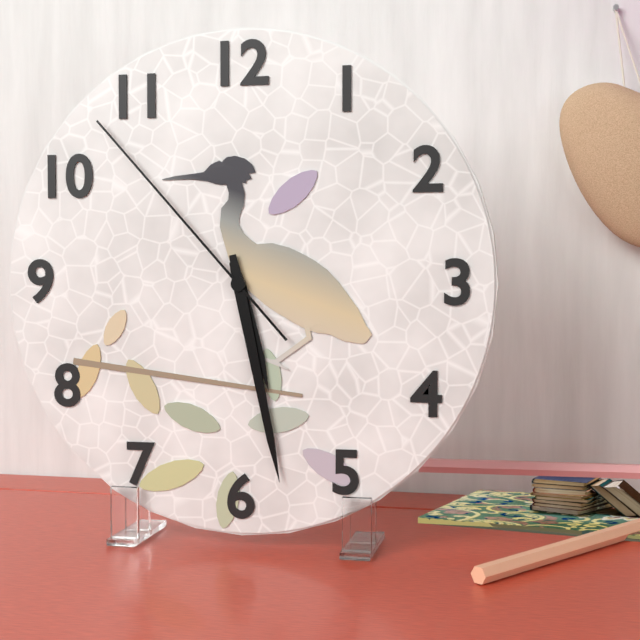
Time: 5h28m53s
